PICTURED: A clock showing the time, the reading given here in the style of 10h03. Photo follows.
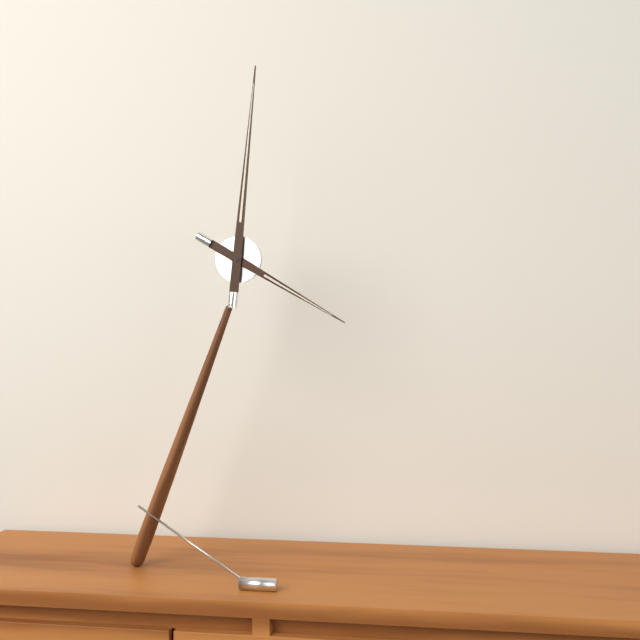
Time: 4h01
